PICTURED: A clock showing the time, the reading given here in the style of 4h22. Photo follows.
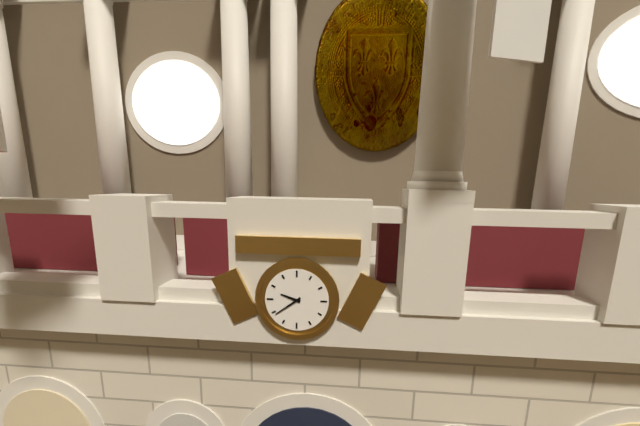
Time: 9h39
